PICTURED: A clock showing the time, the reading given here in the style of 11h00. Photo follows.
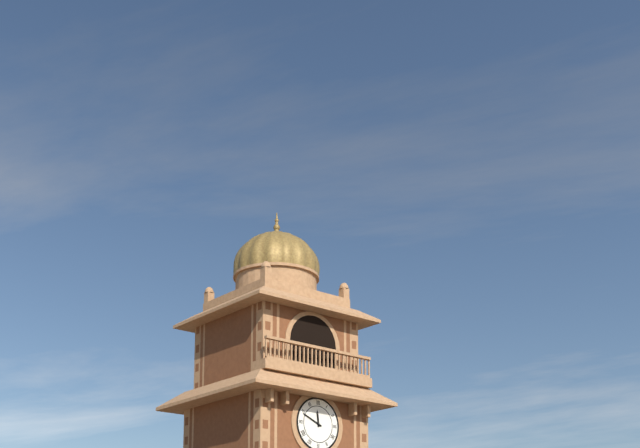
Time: 11h49
